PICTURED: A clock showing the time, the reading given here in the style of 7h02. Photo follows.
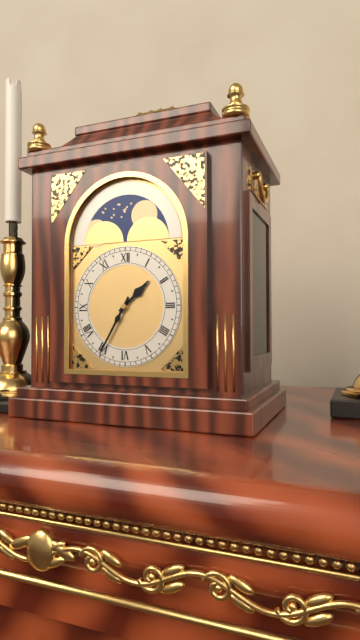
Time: 1h35
